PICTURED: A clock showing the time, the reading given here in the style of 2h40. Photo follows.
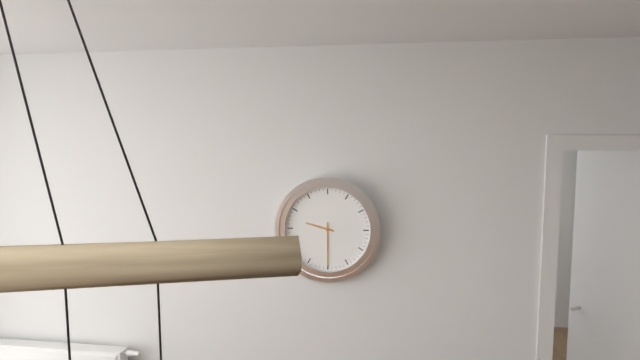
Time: 9h30
